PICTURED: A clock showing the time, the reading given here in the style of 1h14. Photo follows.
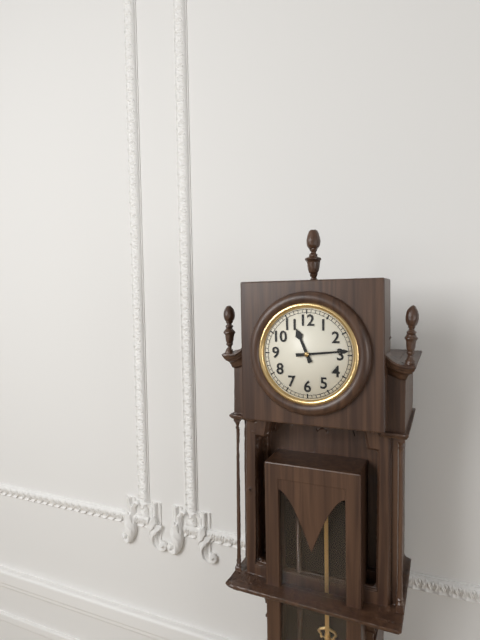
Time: 11h14
